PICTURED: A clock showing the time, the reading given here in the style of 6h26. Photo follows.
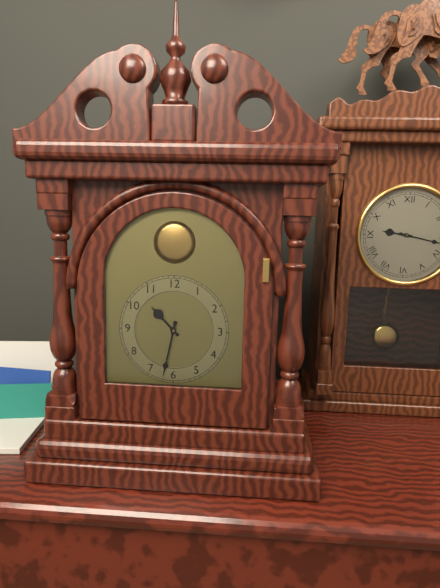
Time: 10h32
